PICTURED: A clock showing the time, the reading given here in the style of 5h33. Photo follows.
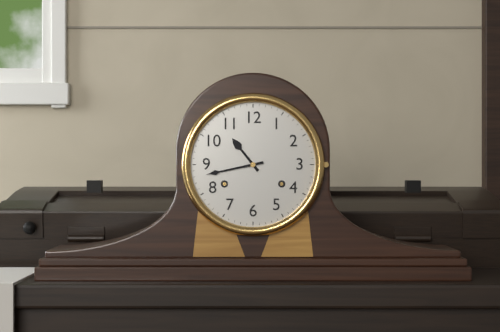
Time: 10h43
